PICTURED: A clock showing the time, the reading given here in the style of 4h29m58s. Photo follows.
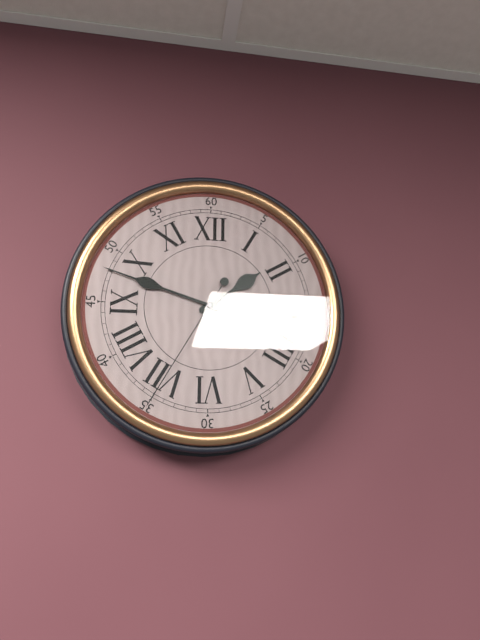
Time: 1h48m35s
